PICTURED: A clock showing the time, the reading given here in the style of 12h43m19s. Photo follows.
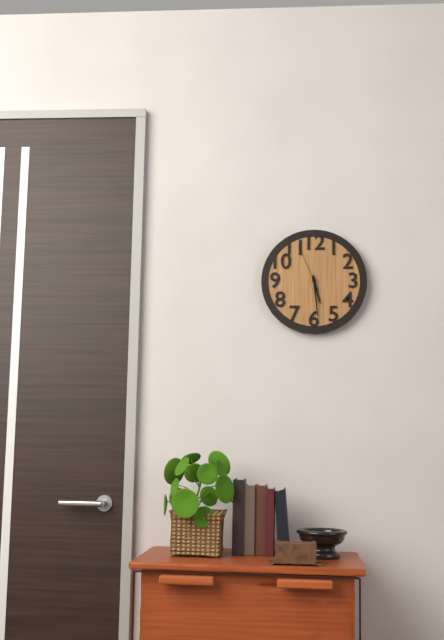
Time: 5h29m56s
